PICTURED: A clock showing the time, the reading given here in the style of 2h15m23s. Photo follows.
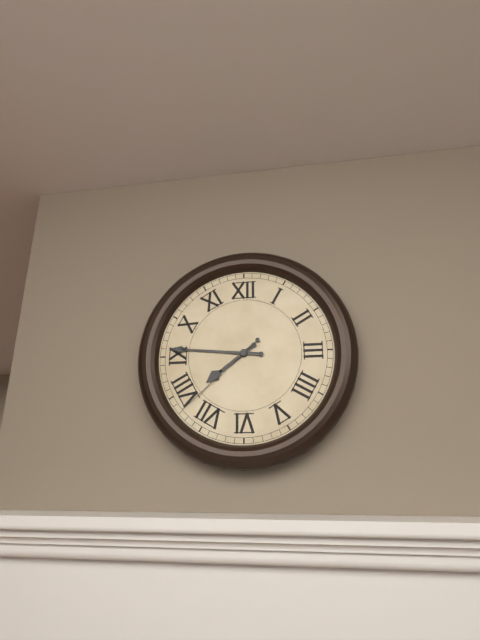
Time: 7h46m38s
